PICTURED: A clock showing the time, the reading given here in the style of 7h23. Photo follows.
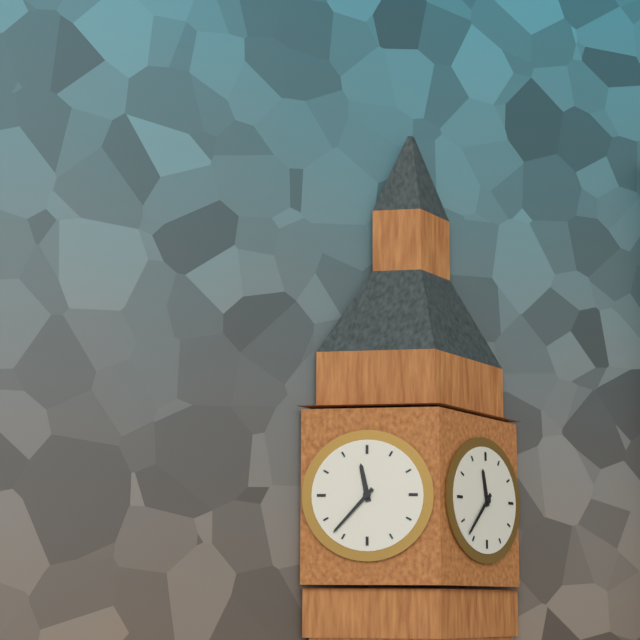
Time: 11h37
